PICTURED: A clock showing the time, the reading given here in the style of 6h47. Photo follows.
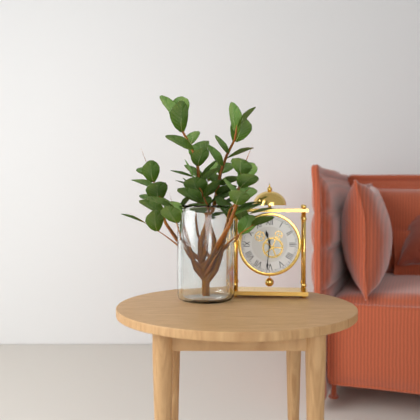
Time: 11h31
